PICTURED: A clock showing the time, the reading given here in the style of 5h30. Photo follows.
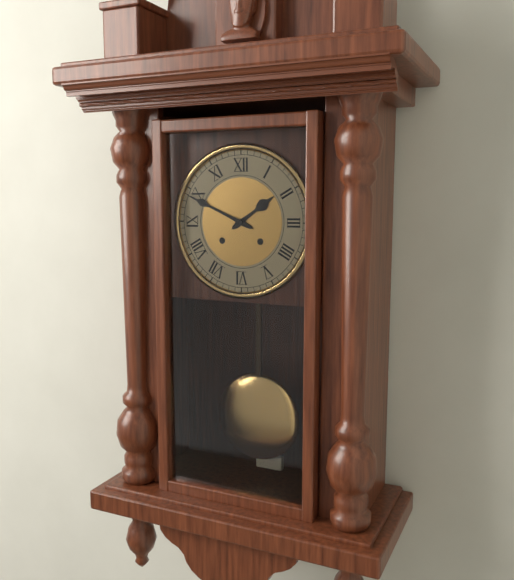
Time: 1h49
